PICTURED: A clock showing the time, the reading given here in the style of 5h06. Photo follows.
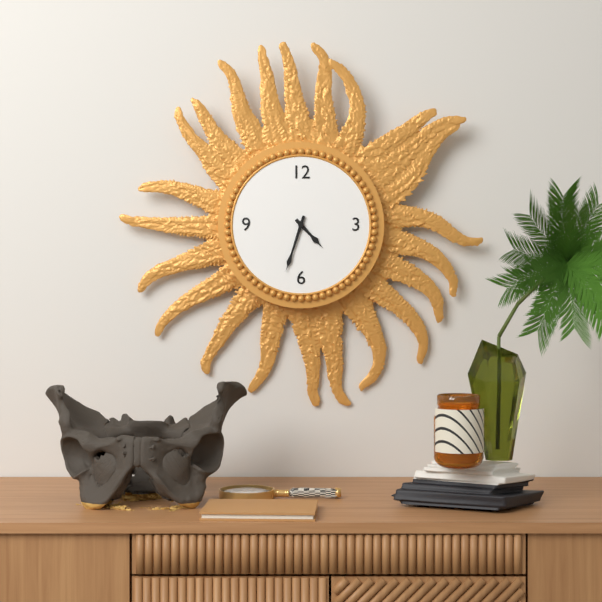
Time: 4h33
